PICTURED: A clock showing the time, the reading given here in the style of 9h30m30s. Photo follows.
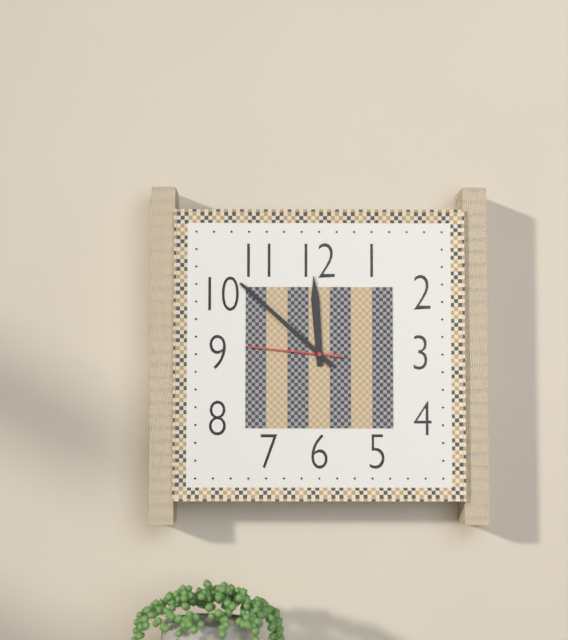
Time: 11h52m46s
